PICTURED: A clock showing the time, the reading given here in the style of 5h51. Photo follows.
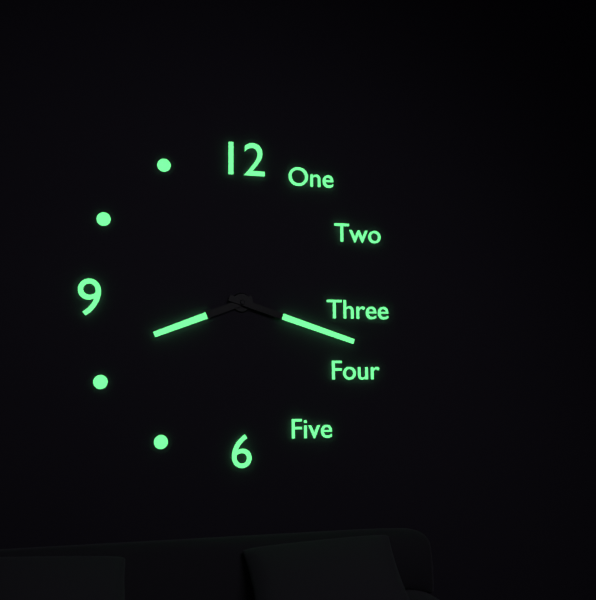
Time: 8h18
